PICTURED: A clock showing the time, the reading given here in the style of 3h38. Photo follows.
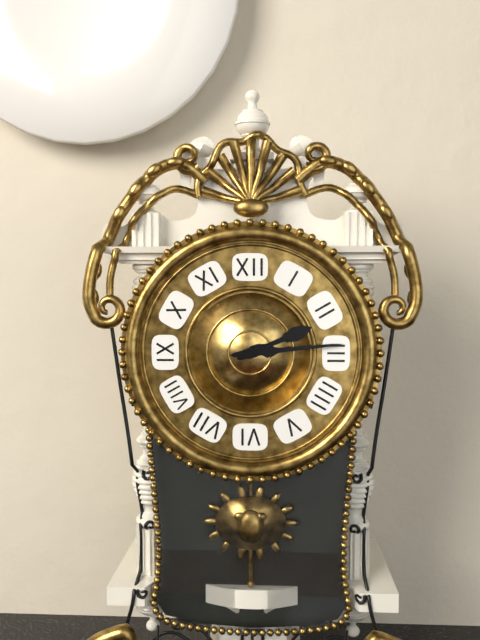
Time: 2h14
